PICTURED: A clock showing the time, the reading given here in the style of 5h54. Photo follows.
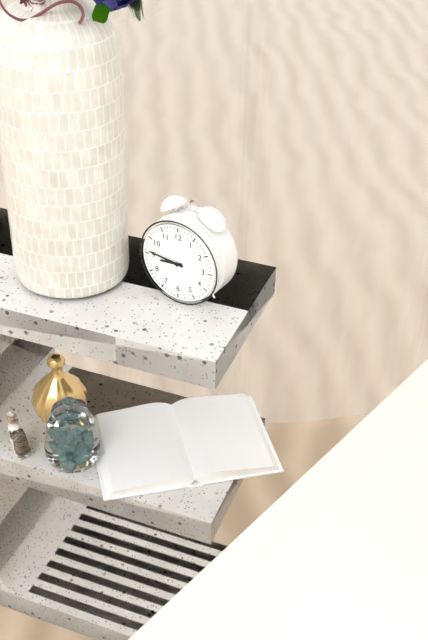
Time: 8h46
